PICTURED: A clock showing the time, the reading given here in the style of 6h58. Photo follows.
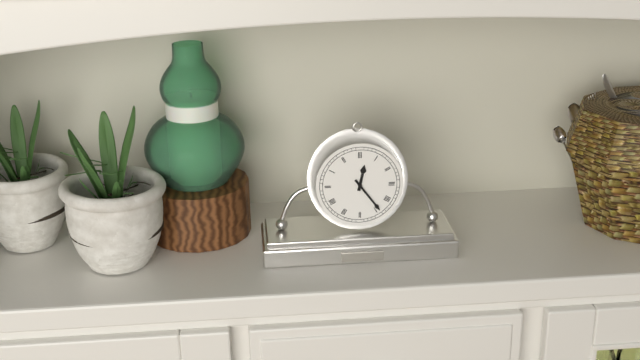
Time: 12h24
